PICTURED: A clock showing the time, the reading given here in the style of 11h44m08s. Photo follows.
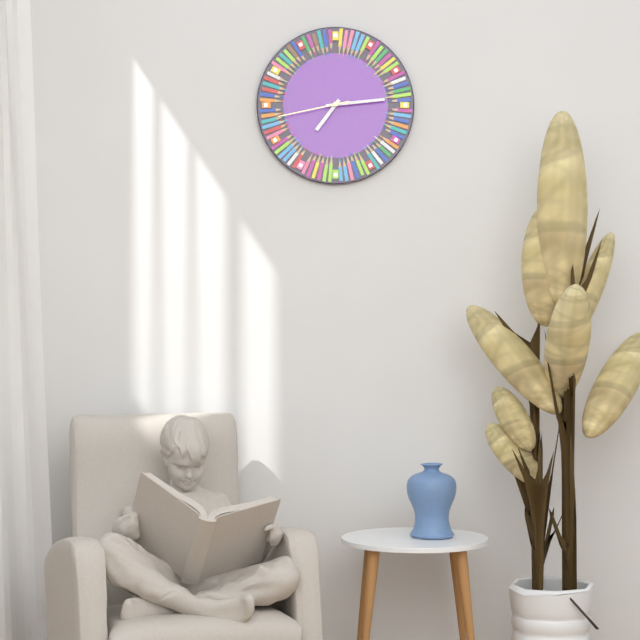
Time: 7h14m43s
